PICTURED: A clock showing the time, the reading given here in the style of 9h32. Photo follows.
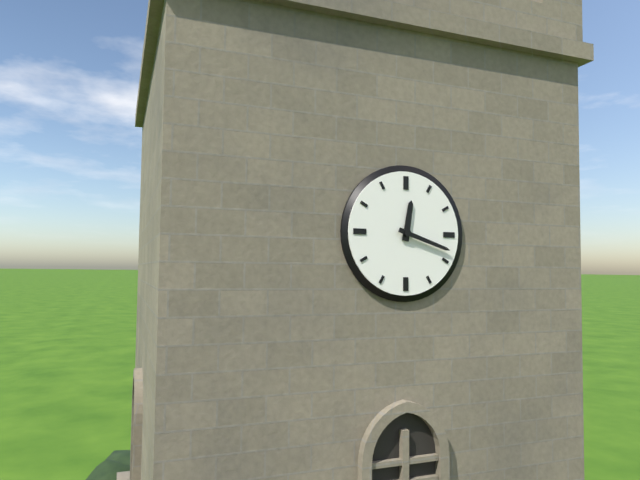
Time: 12h18
